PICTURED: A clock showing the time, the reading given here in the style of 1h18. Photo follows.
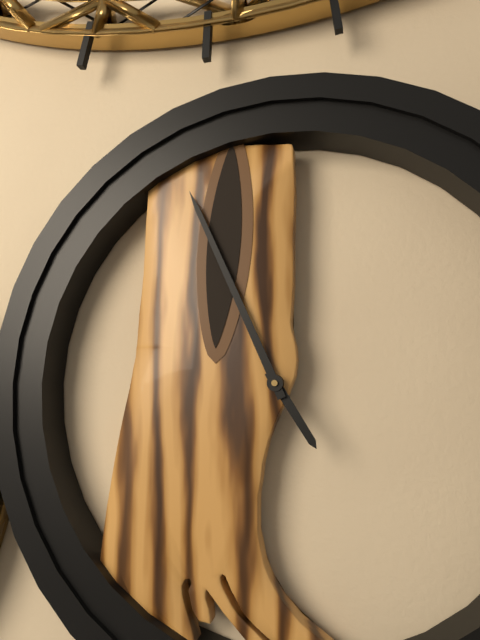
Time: 4h56
